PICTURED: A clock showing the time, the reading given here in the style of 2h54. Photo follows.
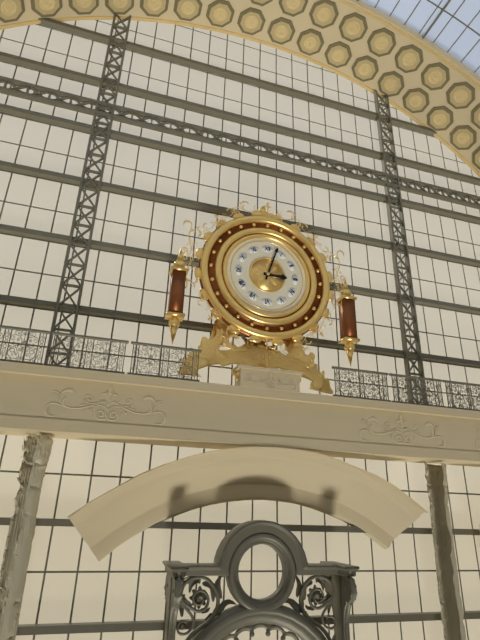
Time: 3h03
